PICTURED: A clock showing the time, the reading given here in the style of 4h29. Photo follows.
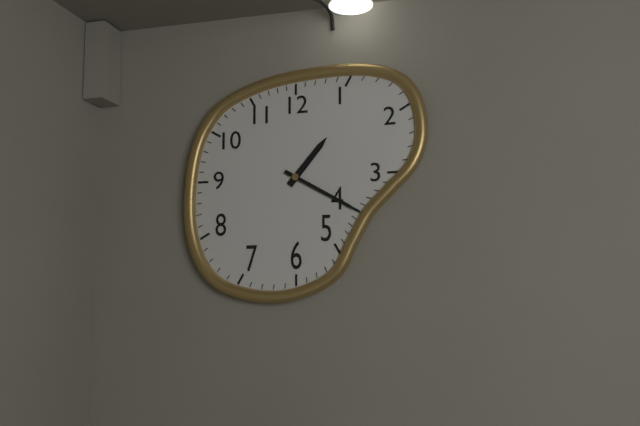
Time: 1h20
